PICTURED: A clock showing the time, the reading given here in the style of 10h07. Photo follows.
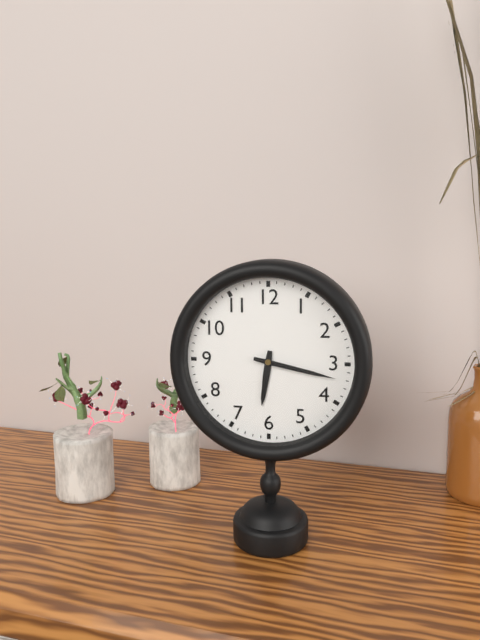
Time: 6h17
